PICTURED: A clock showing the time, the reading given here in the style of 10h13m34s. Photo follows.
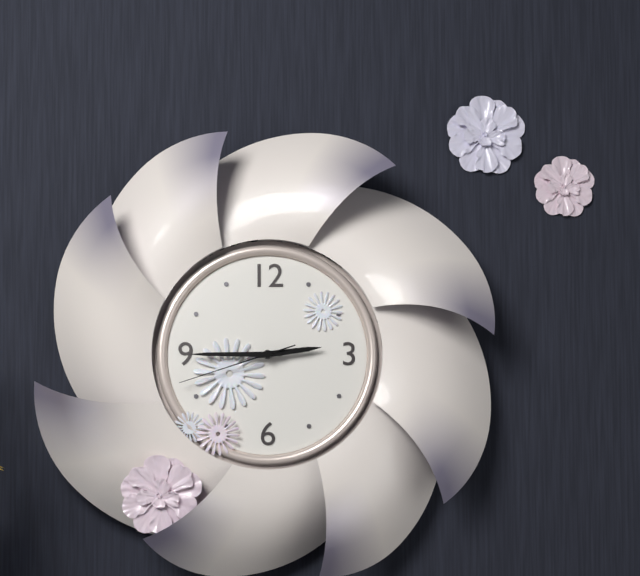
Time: 2h45m42s
